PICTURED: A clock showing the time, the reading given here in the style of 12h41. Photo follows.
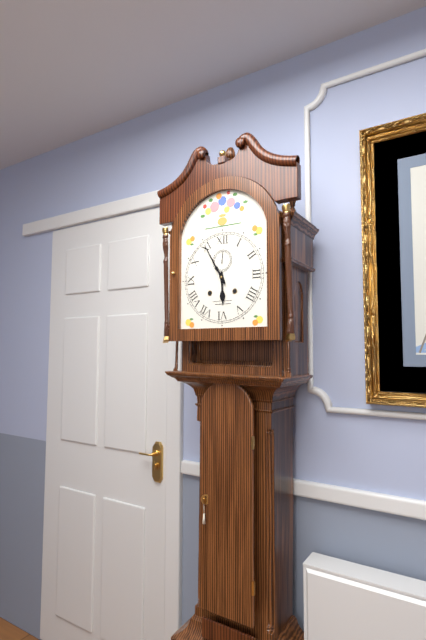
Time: 5h55
